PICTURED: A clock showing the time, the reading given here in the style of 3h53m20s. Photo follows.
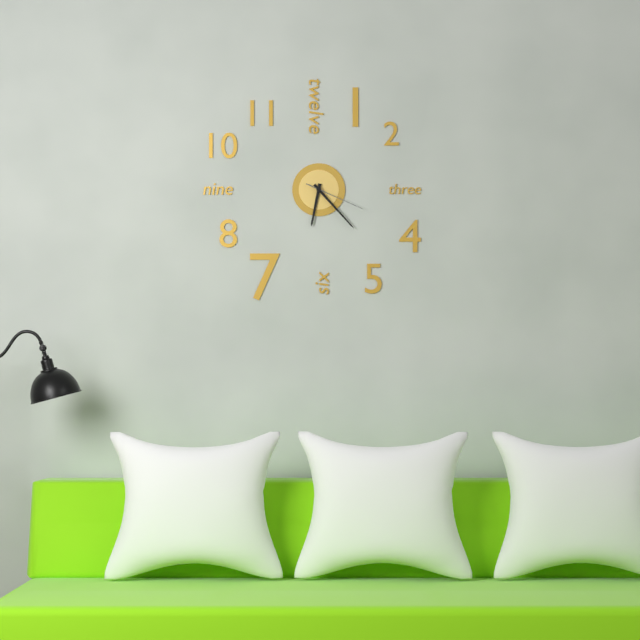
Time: 6h23m19s
